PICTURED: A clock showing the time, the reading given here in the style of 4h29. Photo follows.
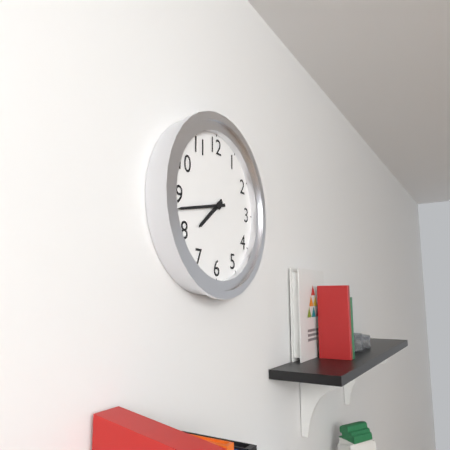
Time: 7h43
